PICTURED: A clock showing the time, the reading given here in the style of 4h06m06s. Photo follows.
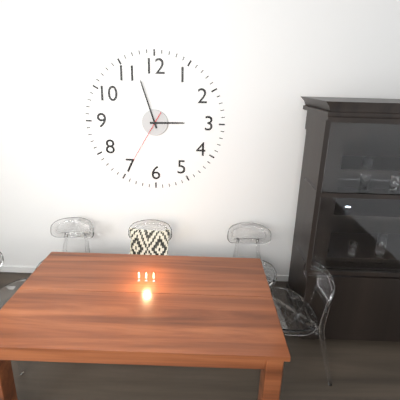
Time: 2h57m35s
